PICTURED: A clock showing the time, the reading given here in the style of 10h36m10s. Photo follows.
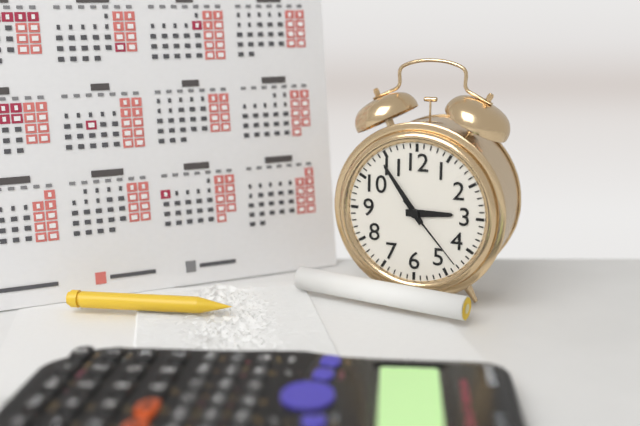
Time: 2h54m23s
